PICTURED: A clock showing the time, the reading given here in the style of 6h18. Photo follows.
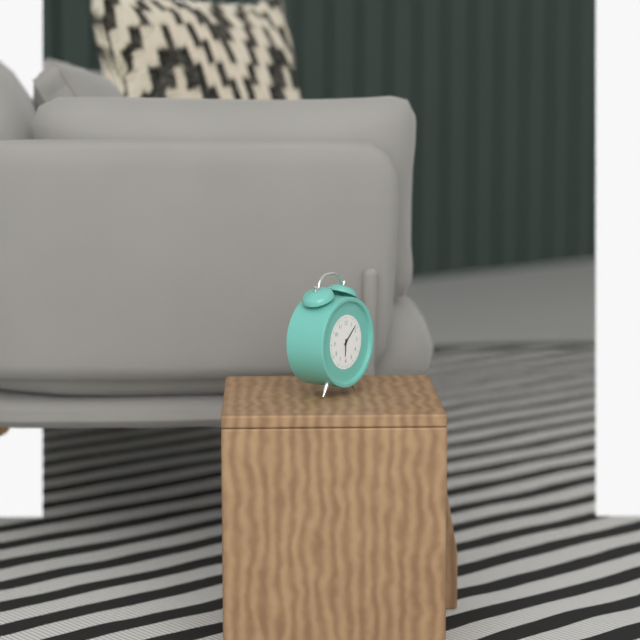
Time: 6h08
